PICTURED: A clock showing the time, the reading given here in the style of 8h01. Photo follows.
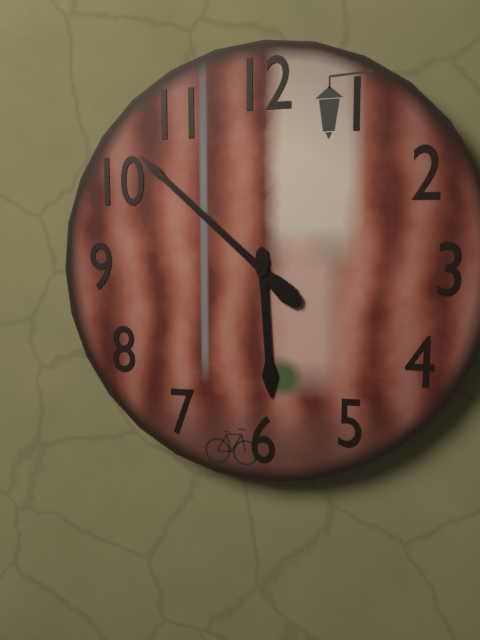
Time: 5h52
